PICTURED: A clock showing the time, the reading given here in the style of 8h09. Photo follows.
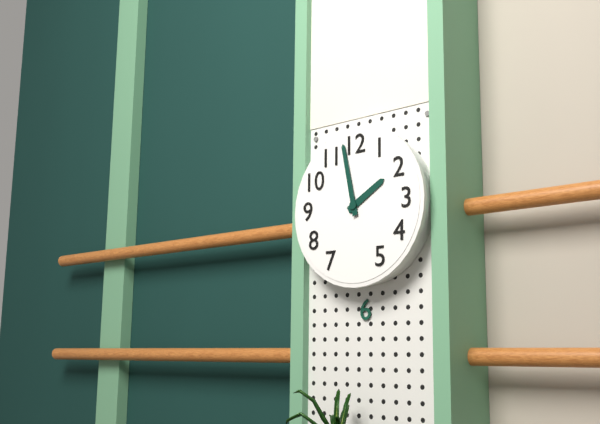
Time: 1h58
